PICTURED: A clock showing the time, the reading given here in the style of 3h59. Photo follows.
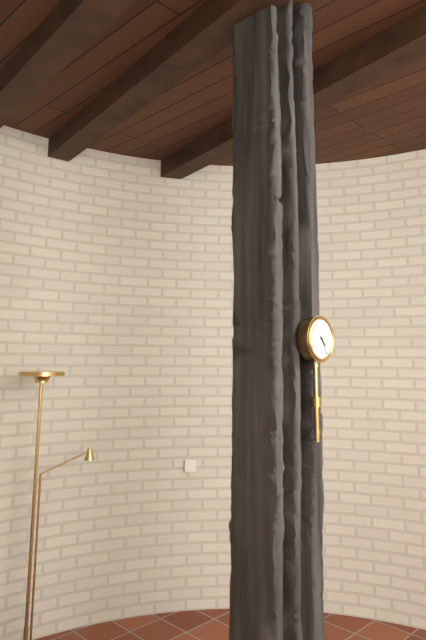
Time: 4h25
